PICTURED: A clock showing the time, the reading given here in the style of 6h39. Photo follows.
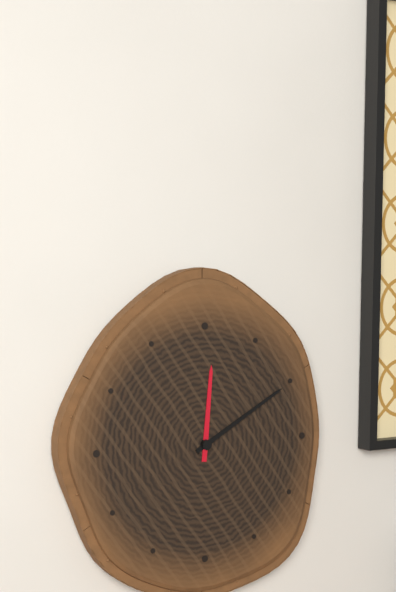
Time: 12h10
